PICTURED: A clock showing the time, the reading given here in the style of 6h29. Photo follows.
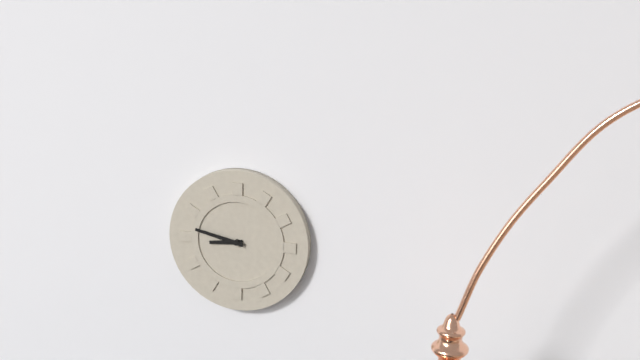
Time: 8h47
